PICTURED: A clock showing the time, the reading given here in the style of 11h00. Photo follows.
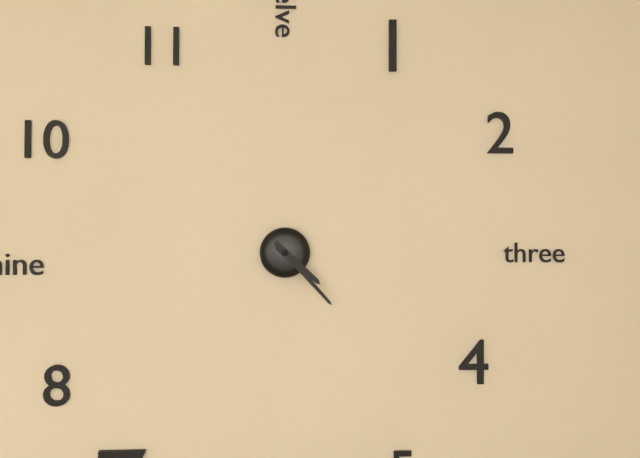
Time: 4h23
